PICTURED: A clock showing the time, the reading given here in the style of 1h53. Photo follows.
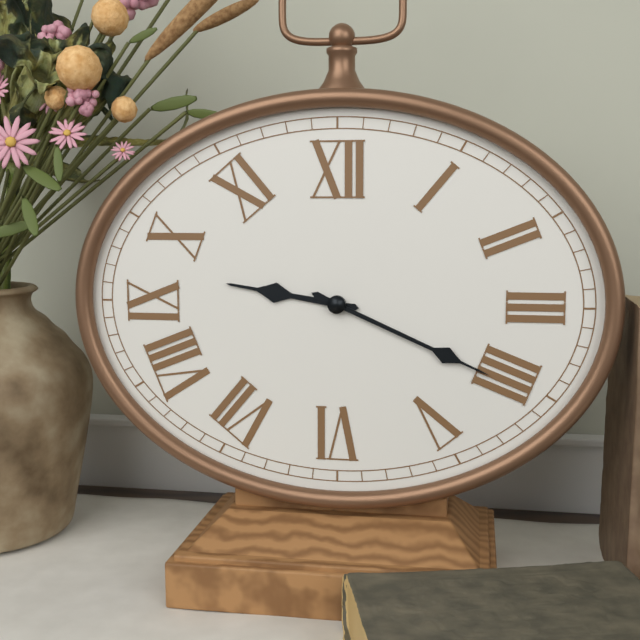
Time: 9h19
